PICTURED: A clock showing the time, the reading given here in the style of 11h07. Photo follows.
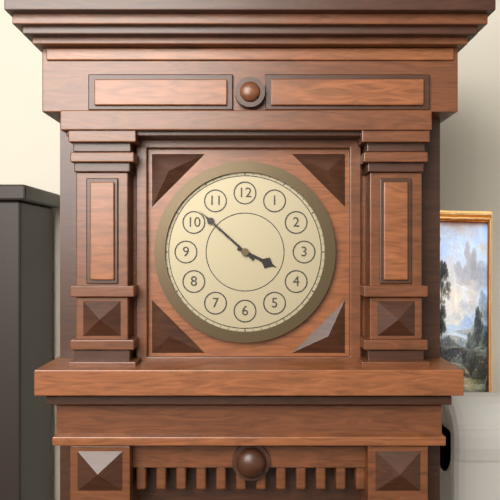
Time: 3h52
